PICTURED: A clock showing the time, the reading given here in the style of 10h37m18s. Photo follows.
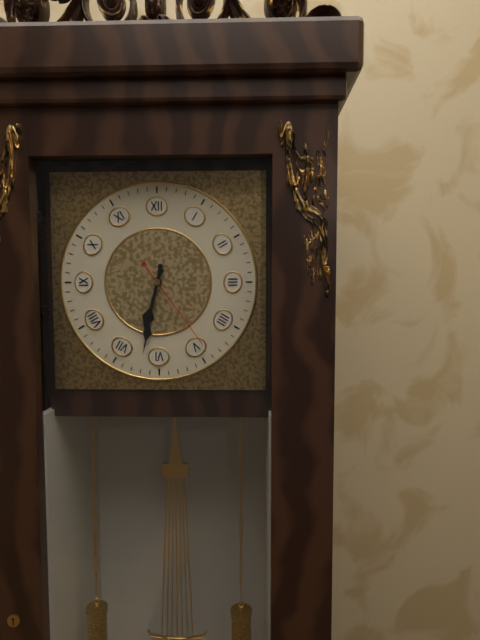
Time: 6h32m24s
